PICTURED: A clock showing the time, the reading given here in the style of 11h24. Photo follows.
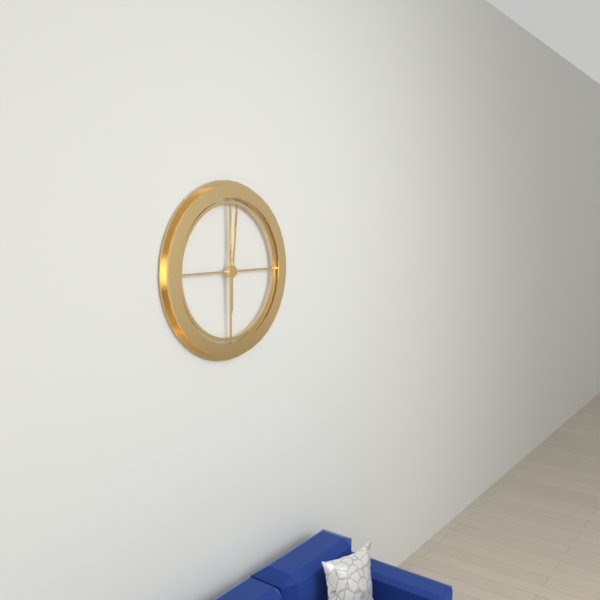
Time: 6h01
